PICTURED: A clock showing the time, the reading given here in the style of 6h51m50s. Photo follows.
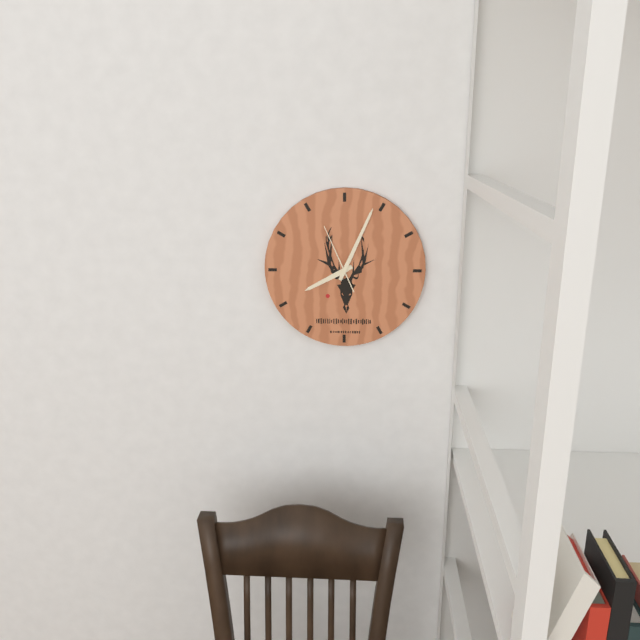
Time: 8h04m56s
